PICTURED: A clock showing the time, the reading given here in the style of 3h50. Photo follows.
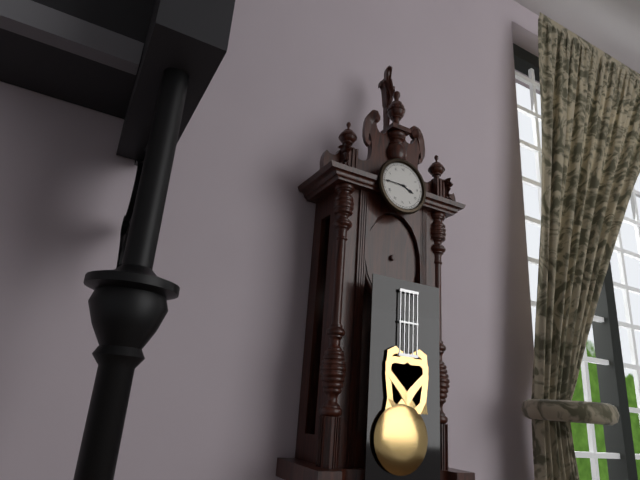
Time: 3h45
